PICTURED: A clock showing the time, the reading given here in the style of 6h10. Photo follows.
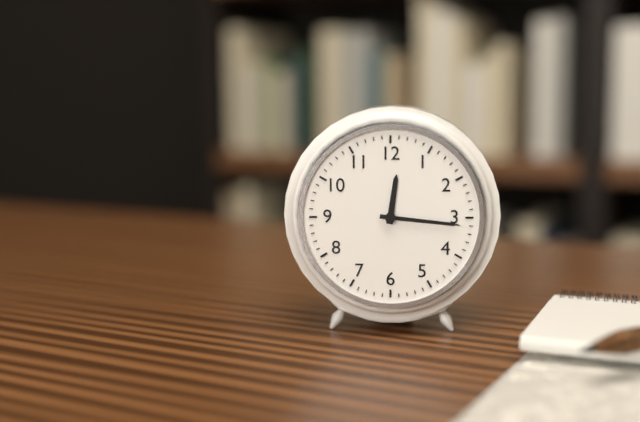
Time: 12h16
